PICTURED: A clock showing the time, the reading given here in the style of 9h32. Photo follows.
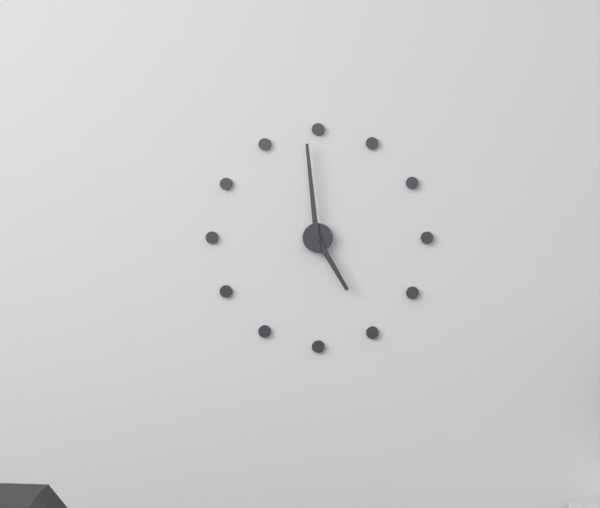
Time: 4h59
